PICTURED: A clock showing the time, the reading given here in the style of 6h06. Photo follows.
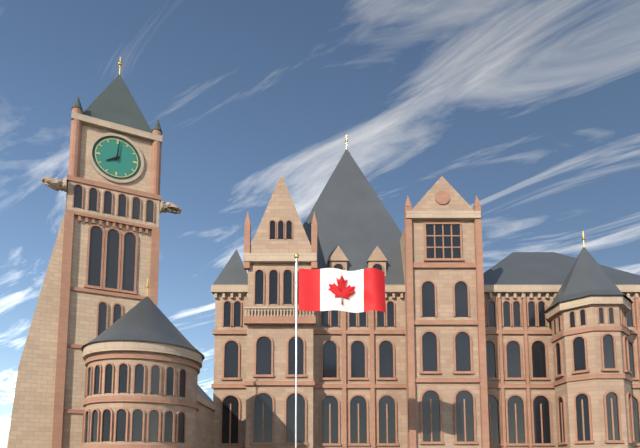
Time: 8h01
